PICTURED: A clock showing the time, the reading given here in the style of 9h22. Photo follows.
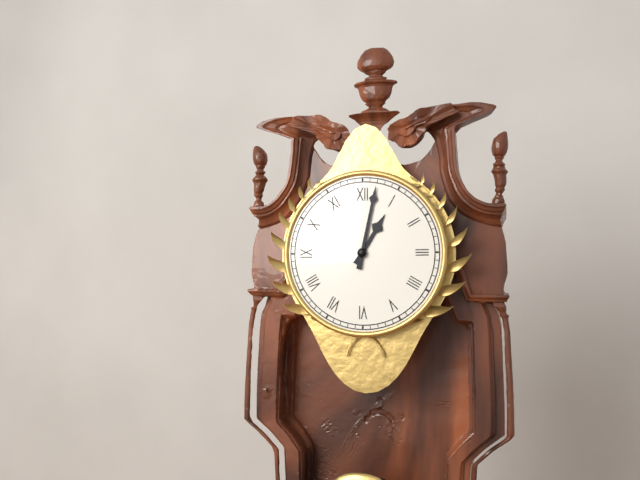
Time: 1h02
